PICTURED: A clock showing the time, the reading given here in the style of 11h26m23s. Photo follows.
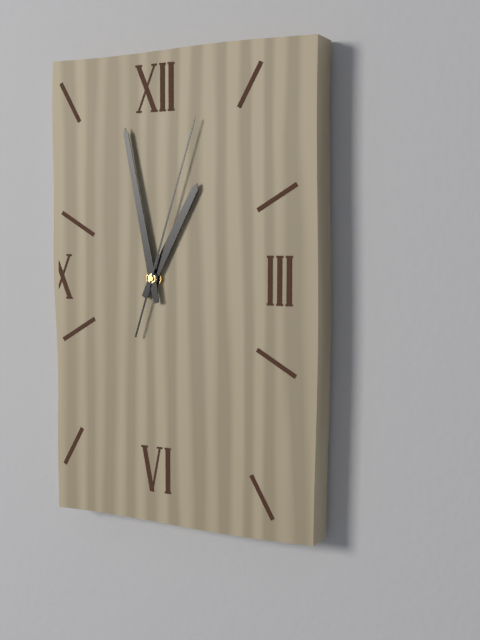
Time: 12h58m03s
